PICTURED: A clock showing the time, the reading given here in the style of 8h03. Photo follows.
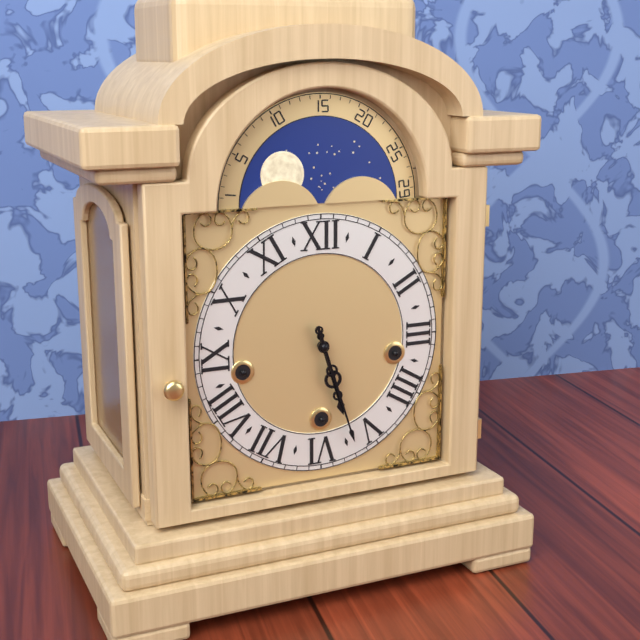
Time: 5h27
